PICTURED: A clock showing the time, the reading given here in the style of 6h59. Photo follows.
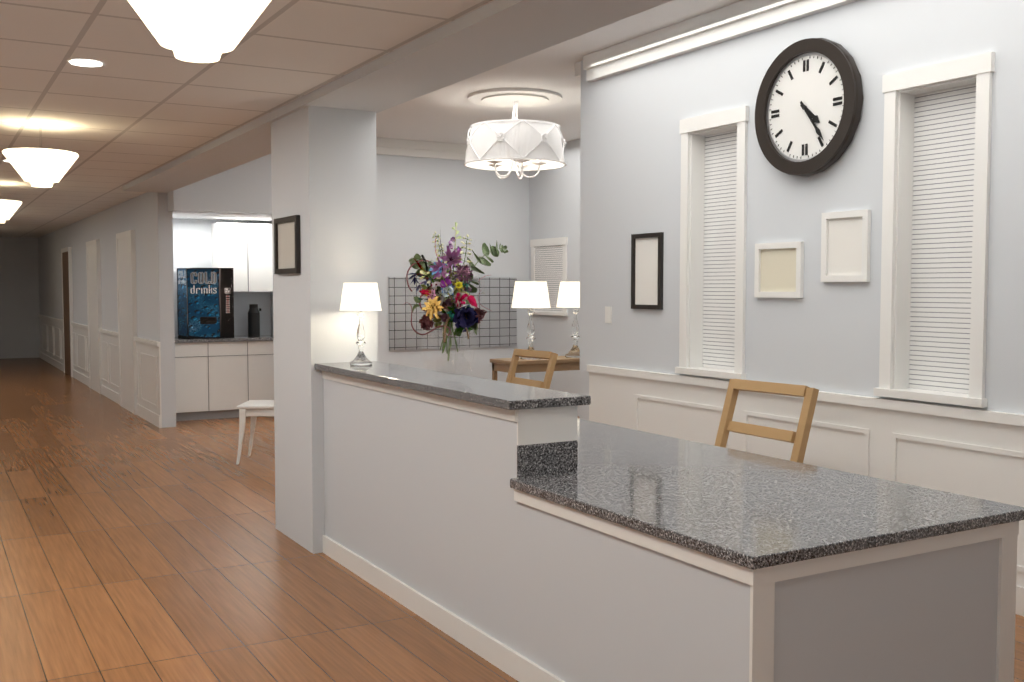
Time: 4h24
